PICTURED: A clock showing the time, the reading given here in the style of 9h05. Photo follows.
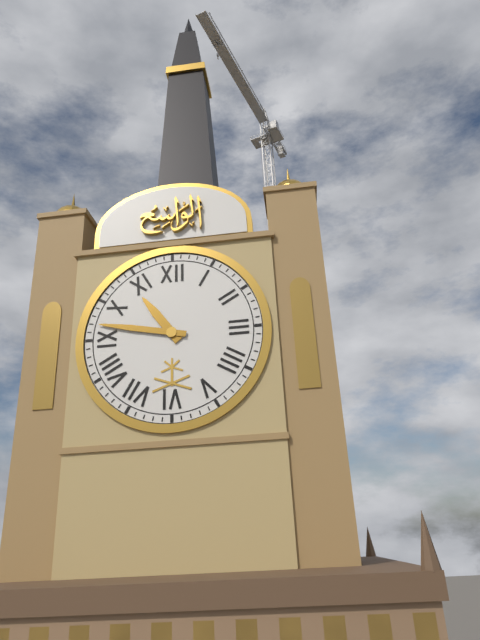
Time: 10h47
